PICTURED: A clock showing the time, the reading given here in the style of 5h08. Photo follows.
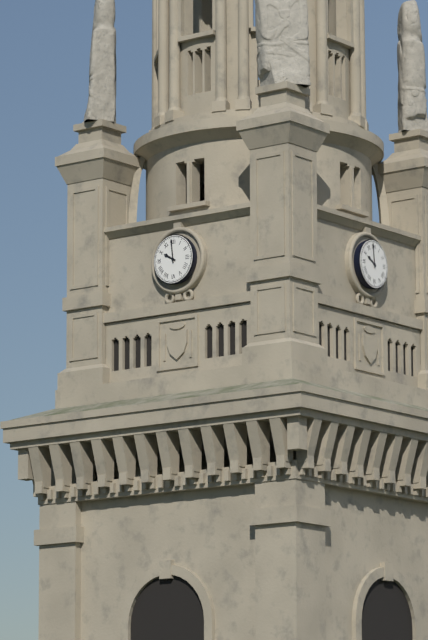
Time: 9h59
